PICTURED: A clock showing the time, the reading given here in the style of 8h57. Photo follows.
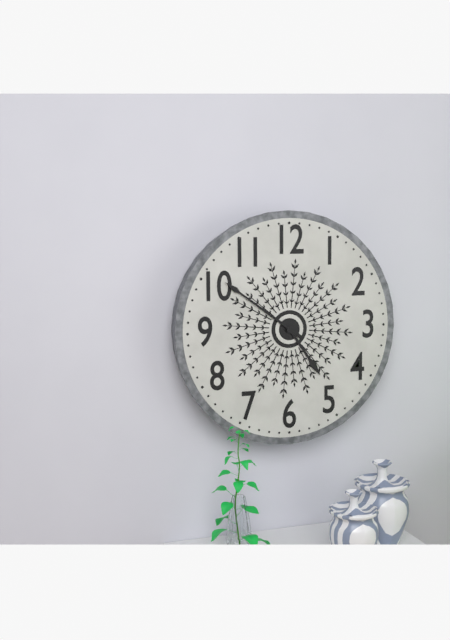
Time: 4h51
